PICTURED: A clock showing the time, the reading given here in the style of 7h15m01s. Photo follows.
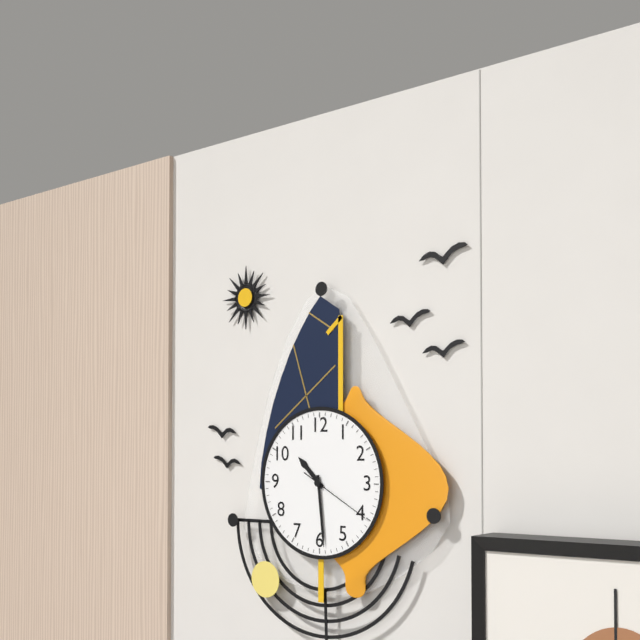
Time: 10h29m20s
